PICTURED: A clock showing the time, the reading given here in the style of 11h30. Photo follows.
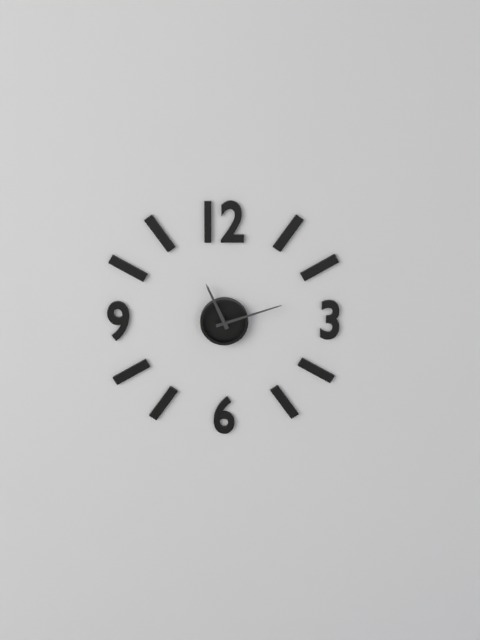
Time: 11h12
